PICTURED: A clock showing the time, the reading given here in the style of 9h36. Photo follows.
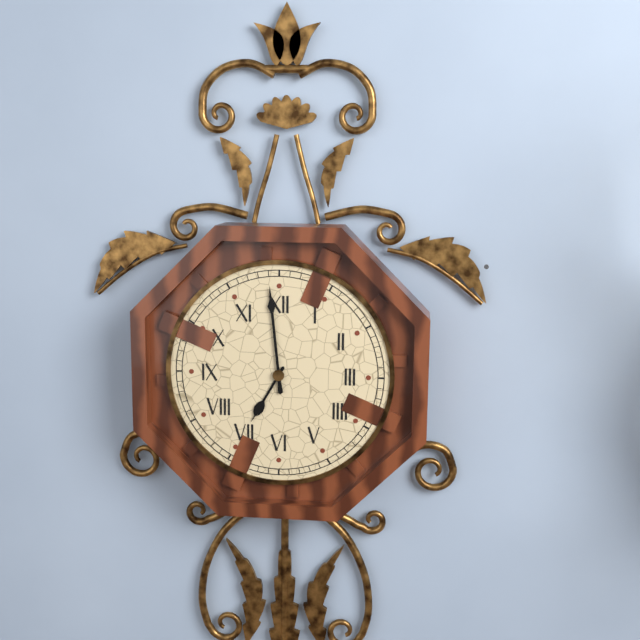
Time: 6h59
